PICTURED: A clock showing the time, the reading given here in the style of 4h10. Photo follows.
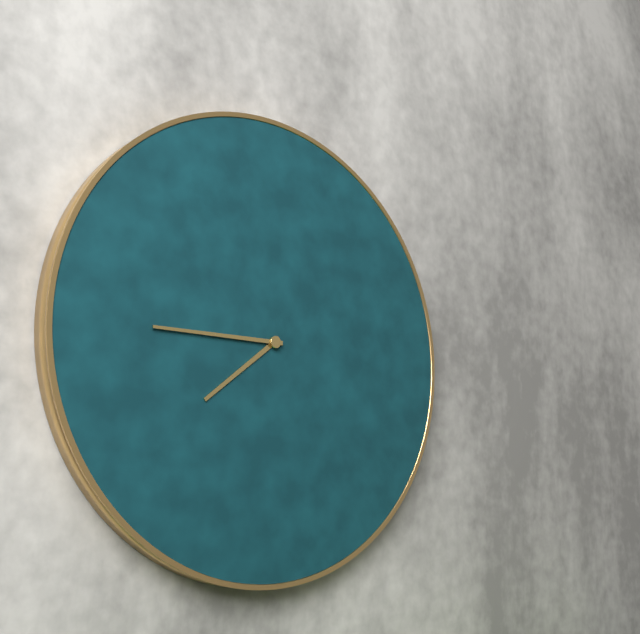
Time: 7h45
